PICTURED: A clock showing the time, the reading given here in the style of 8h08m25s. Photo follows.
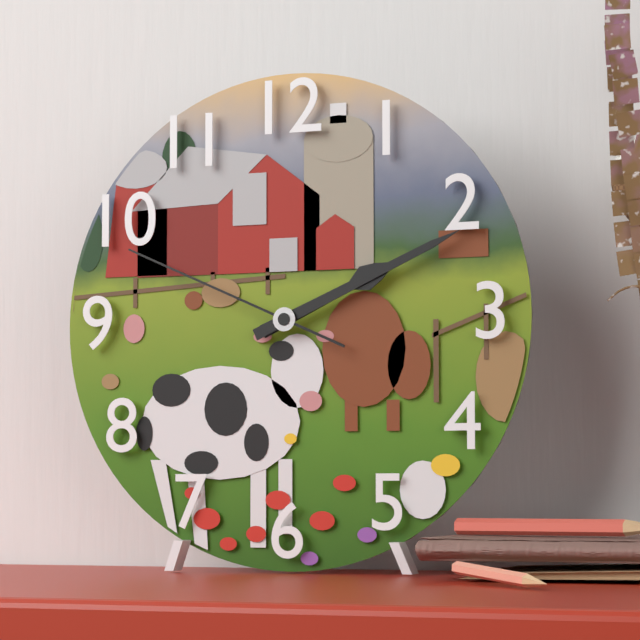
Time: 2h11m49s
